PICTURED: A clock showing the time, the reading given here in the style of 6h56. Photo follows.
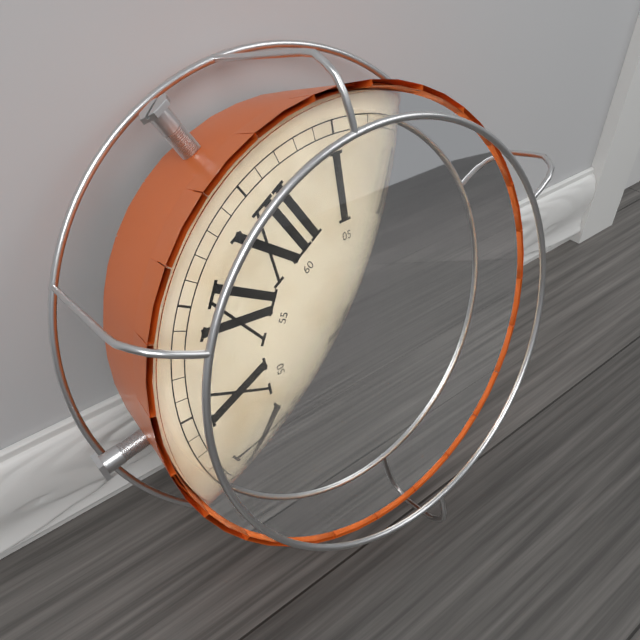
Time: 6h20
